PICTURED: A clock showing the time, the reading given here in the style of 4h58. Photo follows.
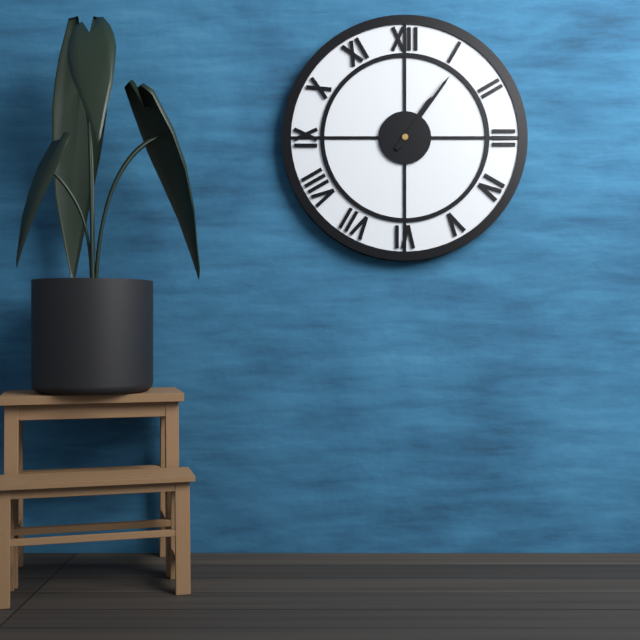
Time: 1h06
